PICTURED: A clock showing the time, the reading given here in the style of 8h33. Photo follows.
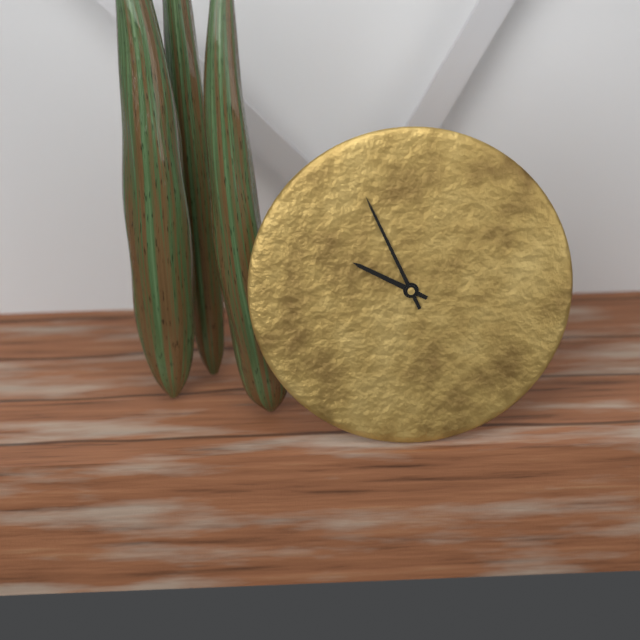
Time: 9h56
